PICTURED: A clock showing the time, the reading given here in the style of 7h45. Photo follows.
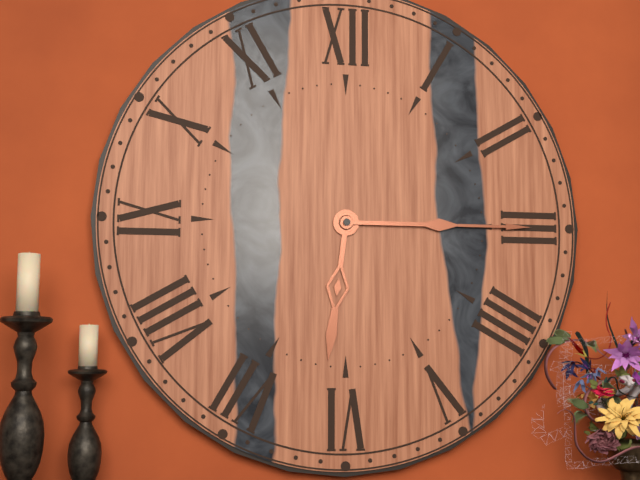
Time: 6h15
